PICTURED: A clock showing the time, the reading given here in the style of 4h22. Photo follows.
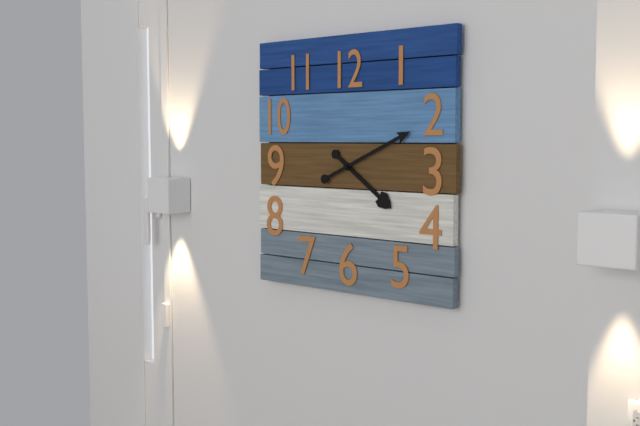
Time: 4h11
